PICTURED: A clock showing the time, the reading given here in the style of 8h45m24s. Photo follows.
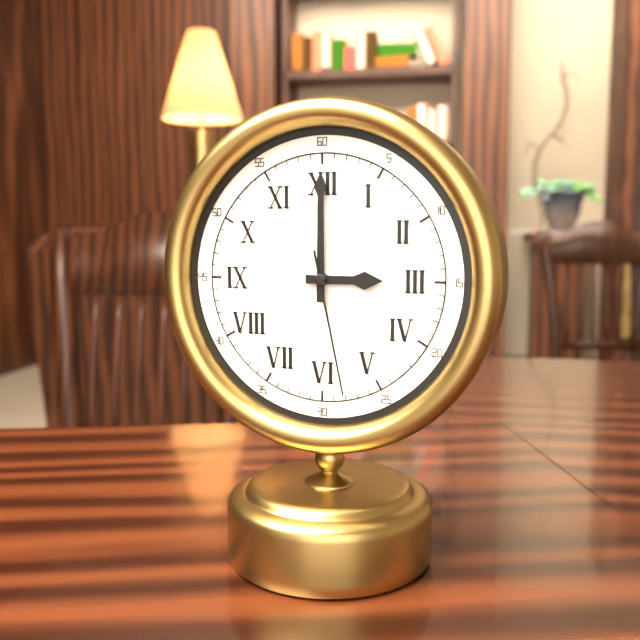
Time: 3h00m28s
